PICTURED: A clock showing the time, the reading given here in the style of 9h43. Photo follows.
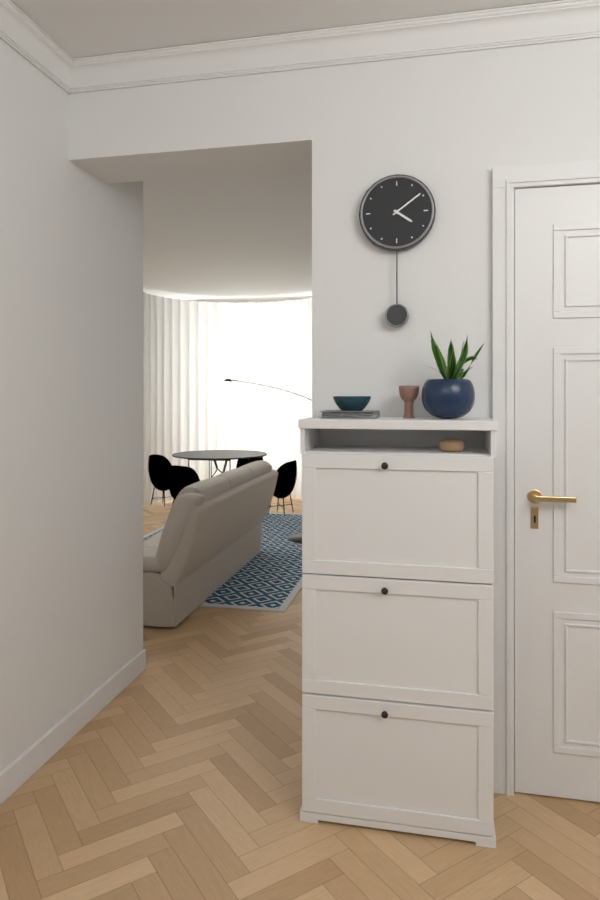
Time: 4h09
